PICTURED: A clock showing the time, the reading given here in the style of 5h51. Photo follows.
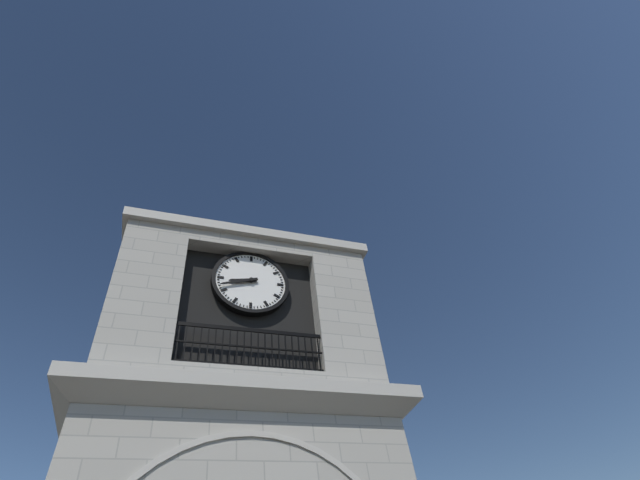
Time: 8h42
